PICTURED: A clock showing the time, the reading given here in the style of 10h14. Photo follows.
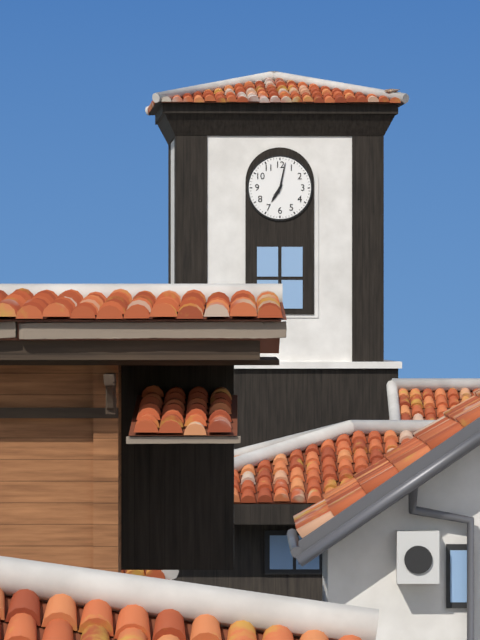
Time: 7h02
